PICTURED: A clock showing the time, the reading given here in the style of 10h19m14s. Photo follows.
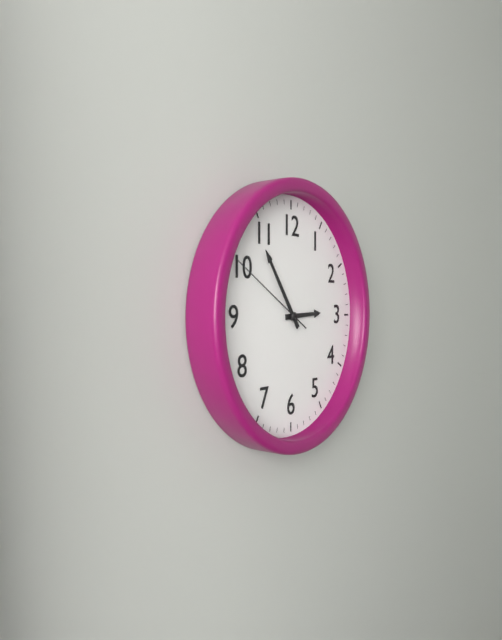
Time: 2h54m50s
